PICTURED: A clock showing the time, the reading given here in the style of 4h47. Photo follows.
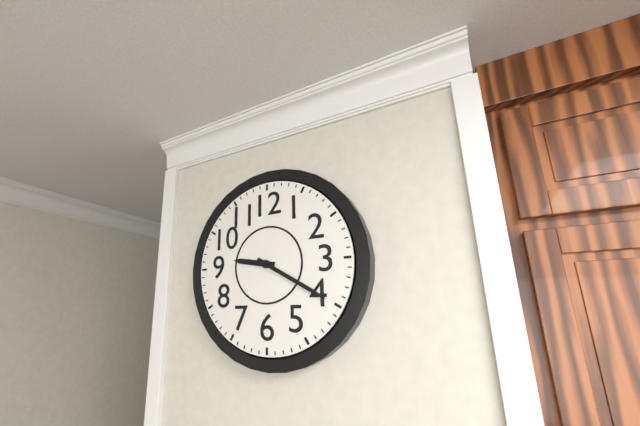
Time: 9h20
